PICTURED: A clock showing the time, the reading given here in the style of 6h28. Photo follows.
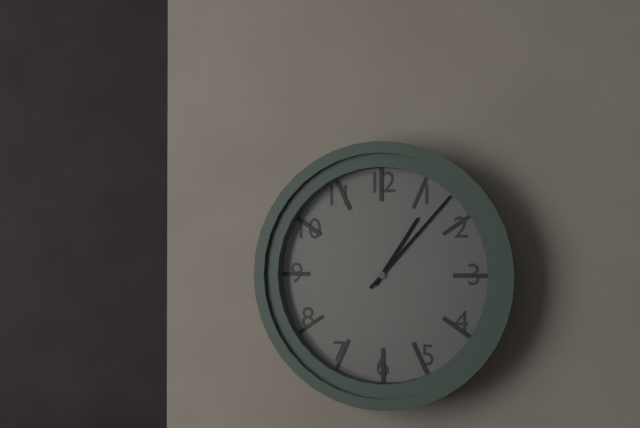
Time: 1h07
